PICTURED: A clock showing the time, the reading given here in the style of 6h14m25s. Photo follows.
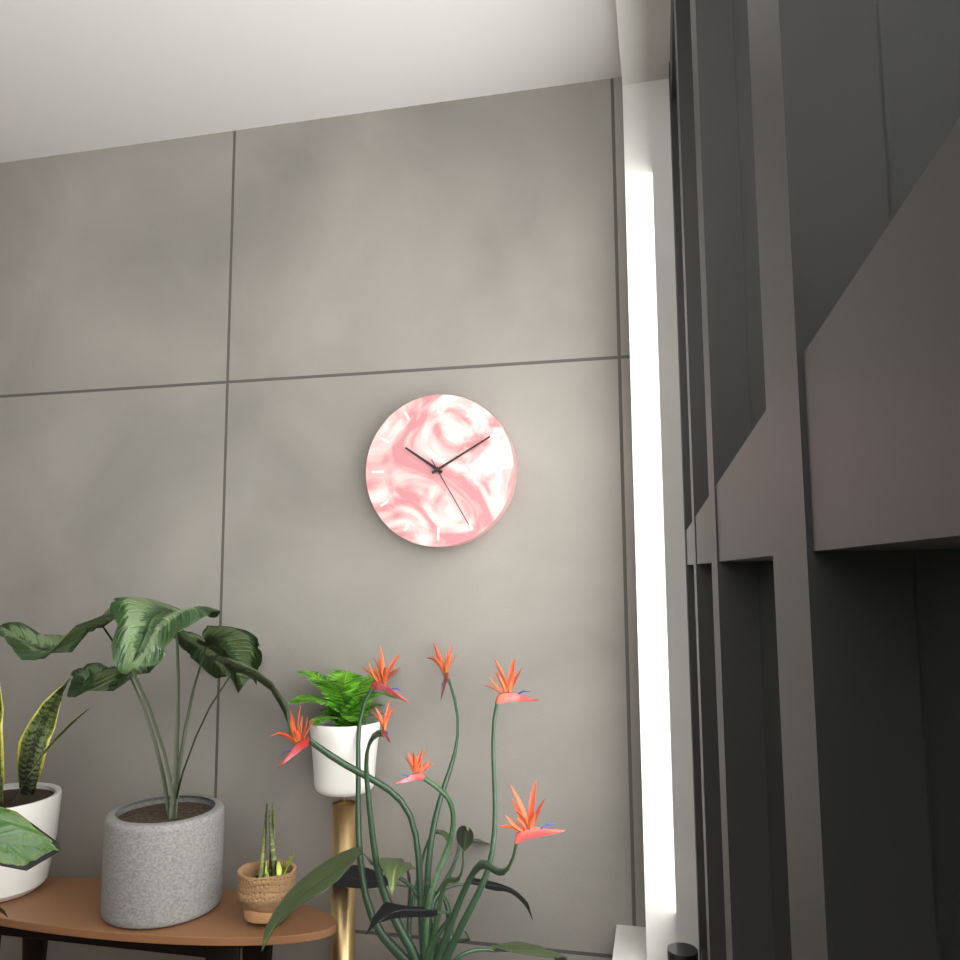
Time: 10h10m25s
